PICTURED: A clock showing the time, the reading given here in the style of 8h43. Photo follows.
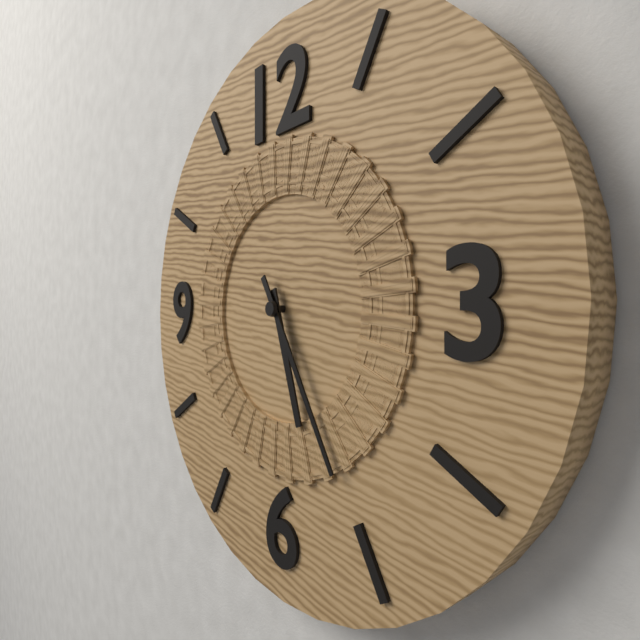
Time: 5h25
